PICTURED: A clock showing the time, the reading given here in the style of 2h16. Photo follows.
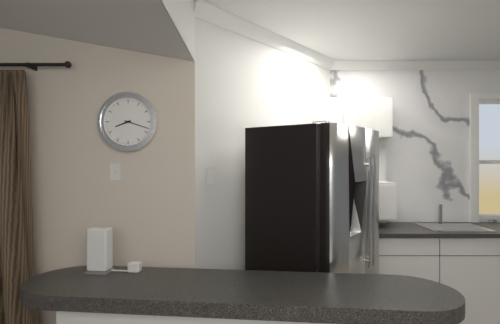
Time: 8h18
